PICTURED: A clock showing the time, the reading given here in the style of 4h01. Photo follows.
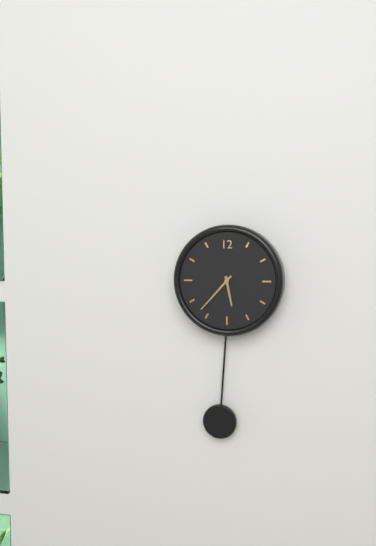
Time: 5h37
